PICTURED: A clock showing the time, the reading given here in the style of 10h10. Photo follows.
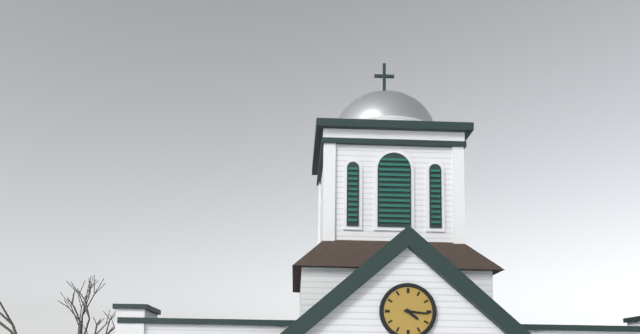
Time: 4h16
